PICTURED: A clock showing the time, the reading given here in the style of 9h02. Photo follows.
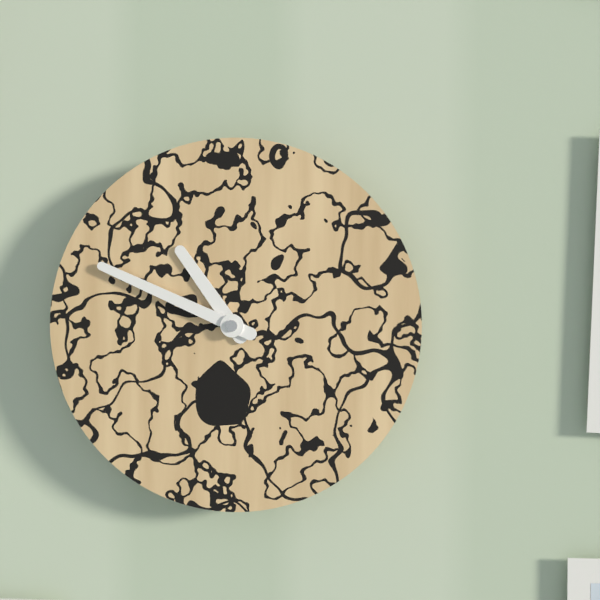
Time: 10h49
